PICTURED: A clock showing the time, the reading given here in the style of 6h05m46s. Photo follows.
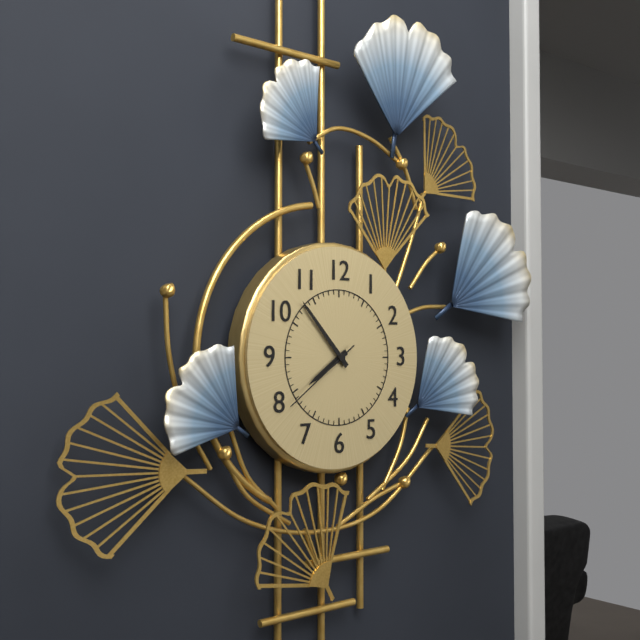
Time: 7h53m39s
